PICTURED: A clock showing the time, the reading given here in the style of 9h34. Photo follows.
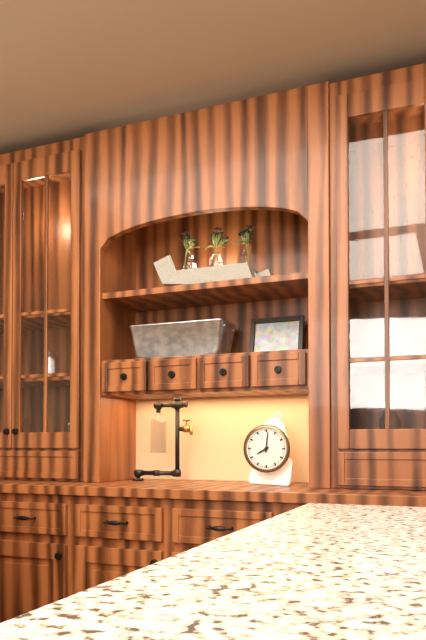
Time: 8h01
